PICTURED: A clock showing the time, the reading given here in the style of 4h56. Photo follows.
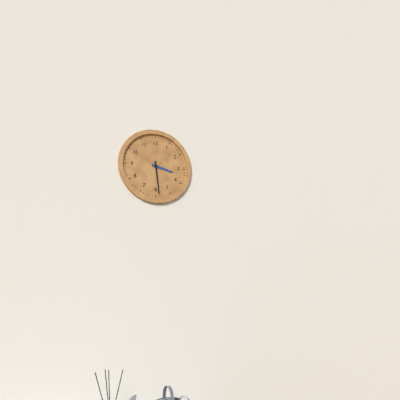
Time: 3h29
